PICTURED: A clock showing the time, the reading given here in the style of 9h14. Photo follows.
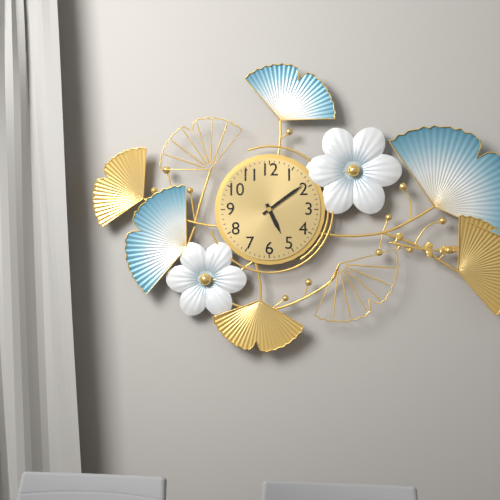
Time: 5h09
